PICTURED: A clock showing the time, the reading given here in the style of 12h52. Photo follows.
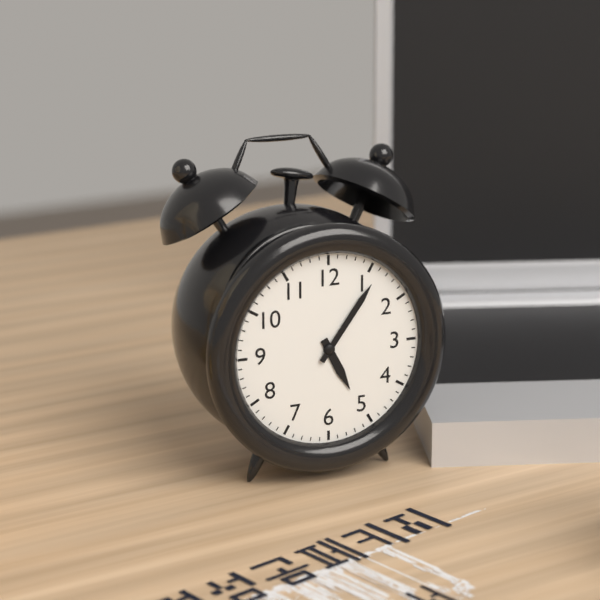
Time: 5h06
